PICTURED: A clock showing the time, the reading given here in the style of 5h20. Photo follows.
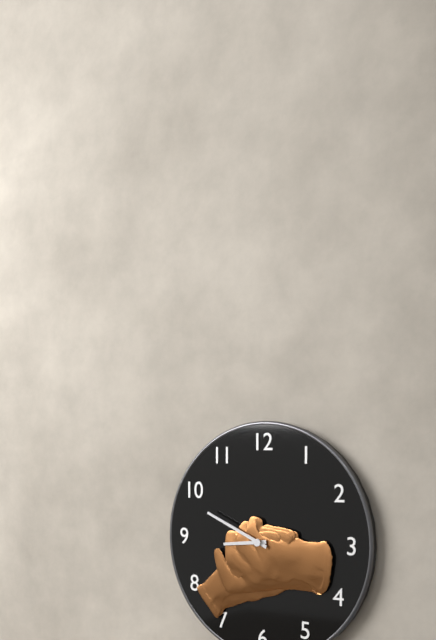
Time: 8h49
